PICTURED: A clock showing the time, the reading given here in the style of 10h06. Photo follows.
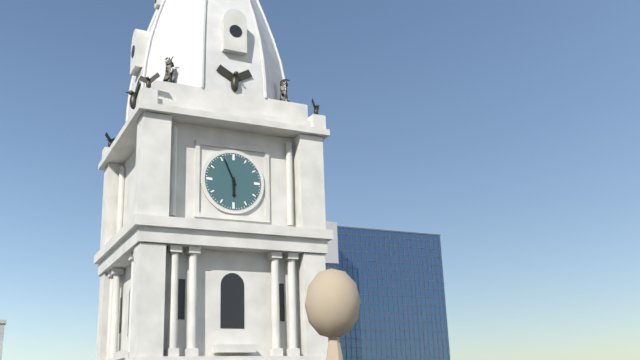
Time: 5h56
